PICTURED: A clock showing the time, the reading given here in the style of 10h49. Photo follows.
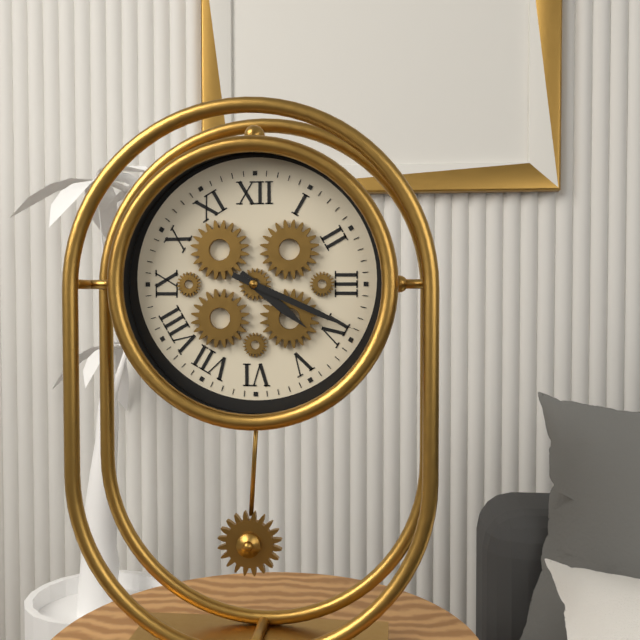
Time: 4h19
